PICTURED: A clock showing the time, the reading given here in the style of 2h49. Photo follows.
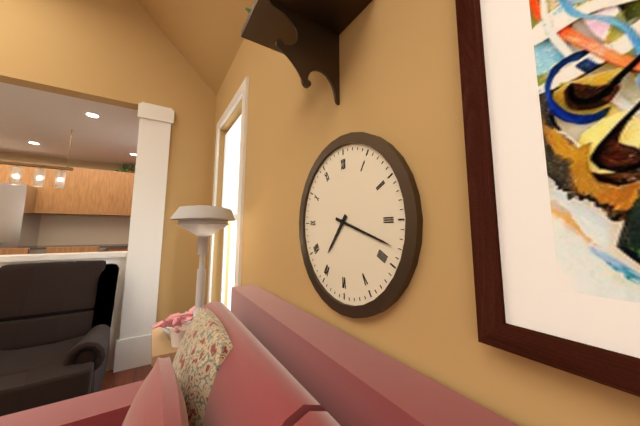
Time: 7h18
